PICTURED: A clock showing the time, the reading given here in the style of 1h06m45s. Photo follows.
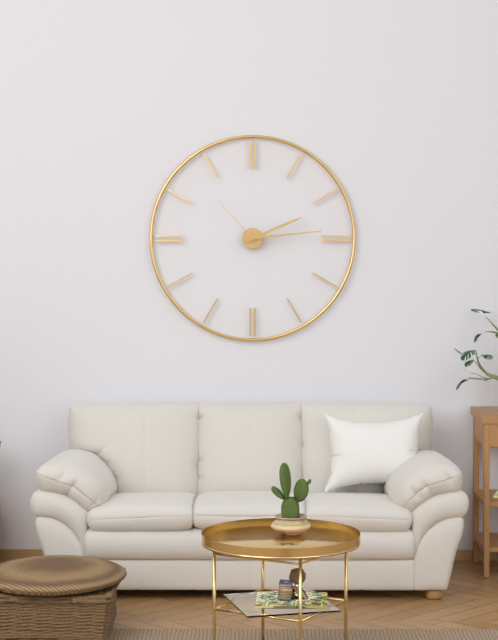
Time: 2h14m53s
